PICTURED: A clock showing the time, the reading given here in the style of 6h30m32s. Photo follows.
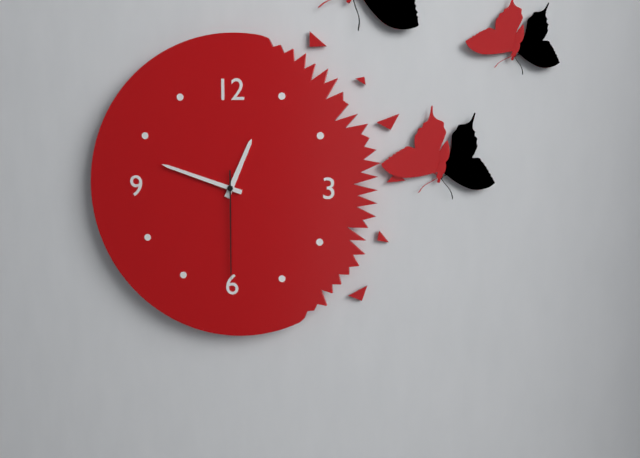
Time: 12h48m30s
